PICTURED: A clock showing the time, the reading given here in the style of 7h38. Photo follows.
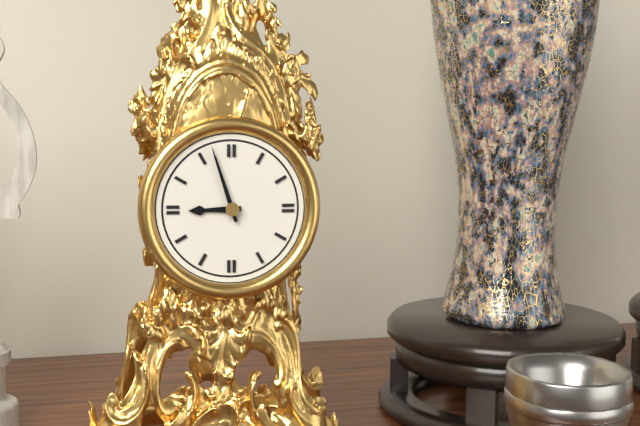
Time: 8h57
